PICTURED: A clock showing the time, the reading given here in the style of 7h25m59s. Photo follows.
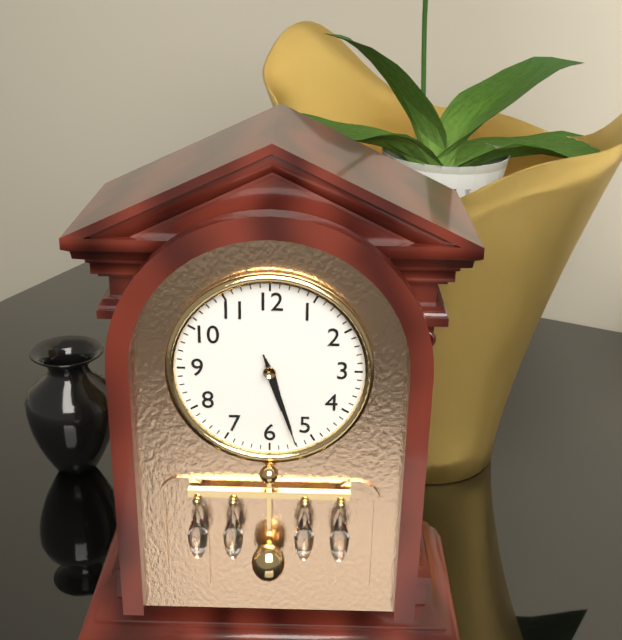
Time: 5h27m27s
